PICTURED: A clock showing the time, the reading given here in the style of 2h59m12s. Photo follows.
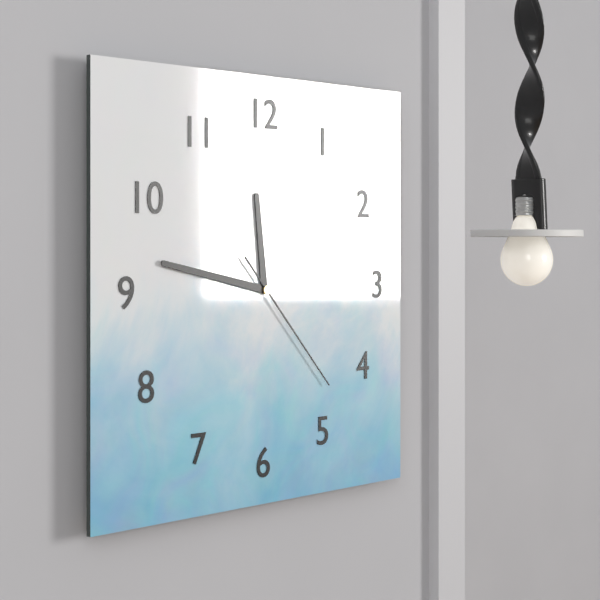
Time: 11h47m23s
